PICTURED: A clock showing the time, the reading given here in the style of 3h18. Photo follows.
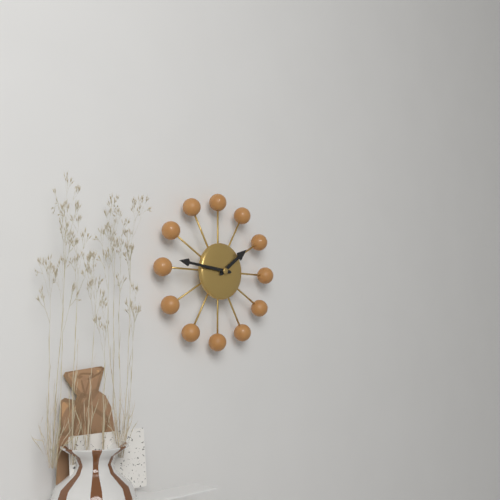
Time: 1h46
